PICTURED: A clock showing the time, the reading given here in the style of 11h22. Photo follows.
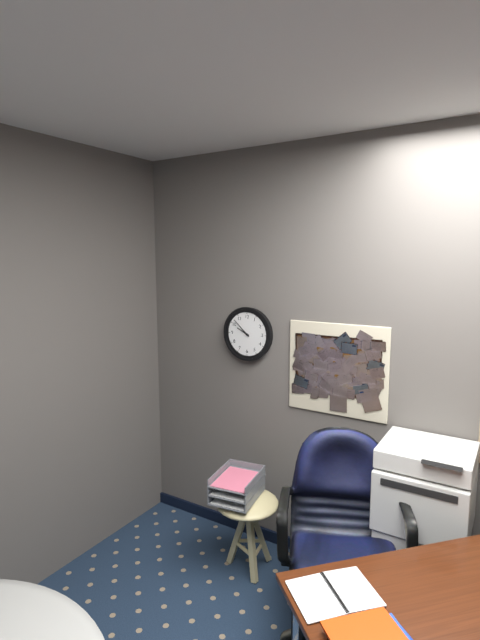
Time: 9h52
